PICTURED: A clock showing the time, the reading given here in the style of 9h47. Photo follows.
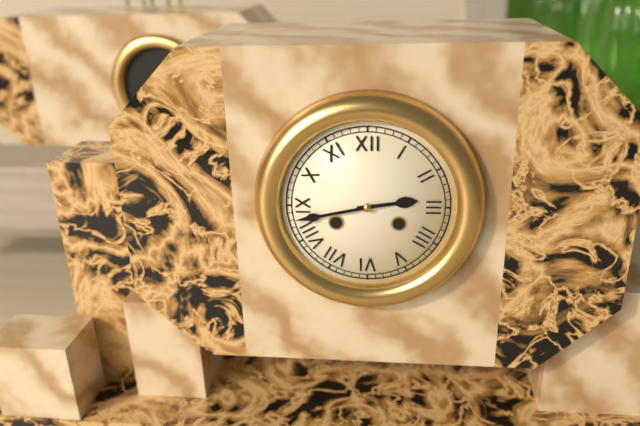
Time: 2h43
